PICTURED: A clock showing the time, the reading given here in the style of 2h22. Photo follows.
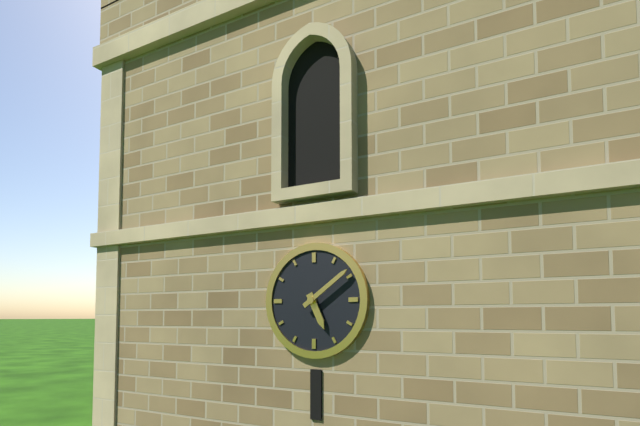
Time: 5h09
